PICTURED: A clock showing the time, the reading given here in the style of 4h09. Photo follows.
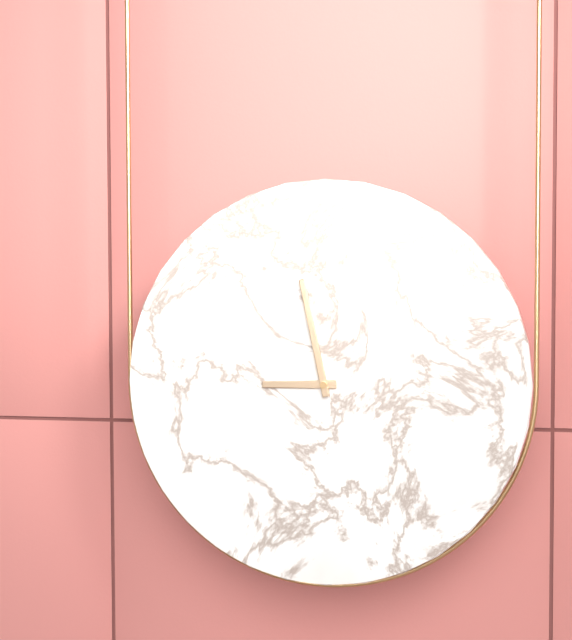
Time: 8h58
